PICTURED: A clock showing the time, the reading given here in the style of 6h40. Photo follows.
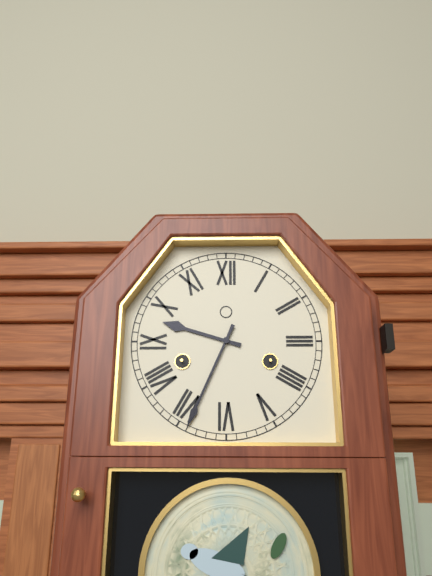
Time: 9h34
